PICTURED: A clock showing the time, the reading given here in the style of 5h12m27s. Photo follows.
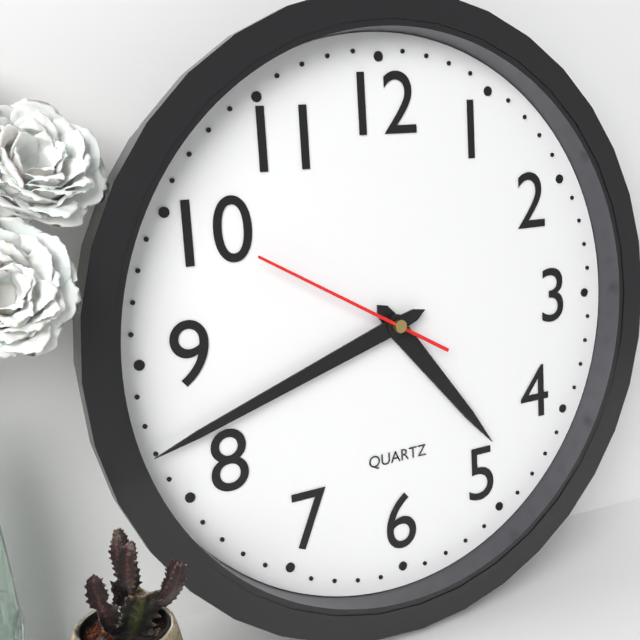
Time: 4h42m50s
